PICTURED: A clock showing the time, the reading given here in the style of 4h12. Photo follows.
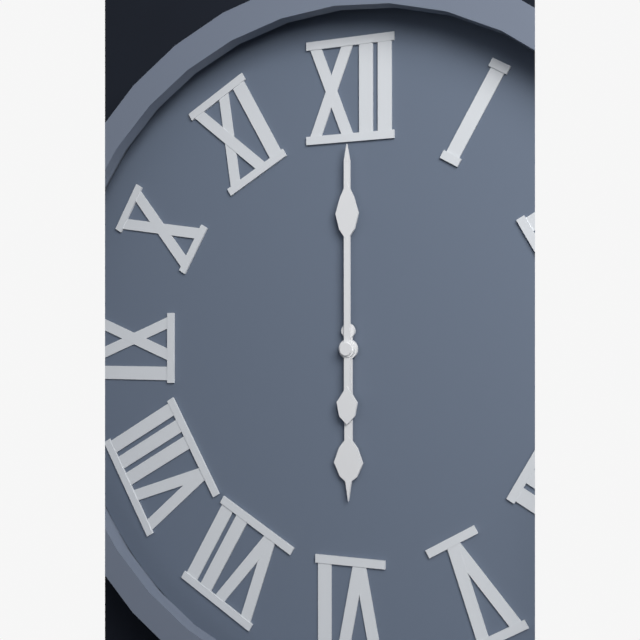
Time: 6h00
